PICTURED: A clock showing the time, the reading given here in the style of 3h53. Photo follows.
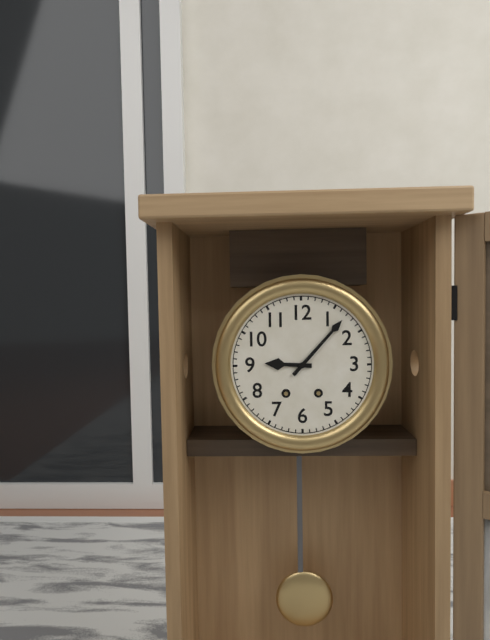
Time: 9h07
